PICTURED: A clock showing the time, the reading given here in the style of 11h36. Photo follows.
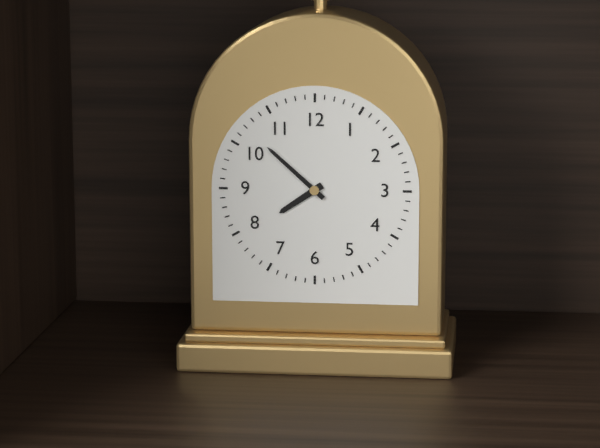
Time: 7h52
